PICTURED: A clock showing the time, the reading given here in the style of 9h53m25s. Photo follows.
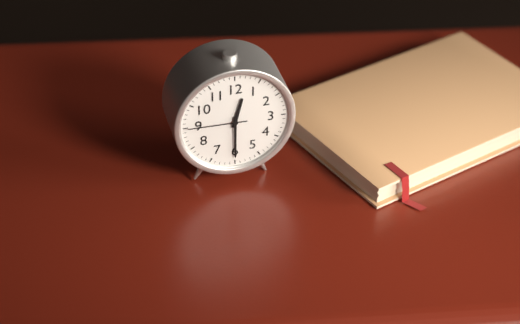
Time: 12h30m45s
